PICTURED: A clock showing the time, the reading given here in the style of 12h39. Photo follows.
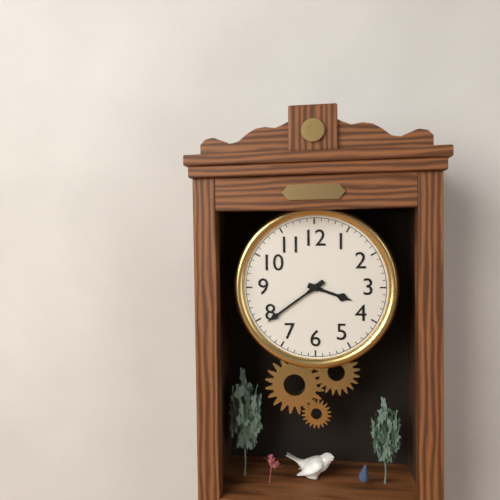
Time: 3h39
